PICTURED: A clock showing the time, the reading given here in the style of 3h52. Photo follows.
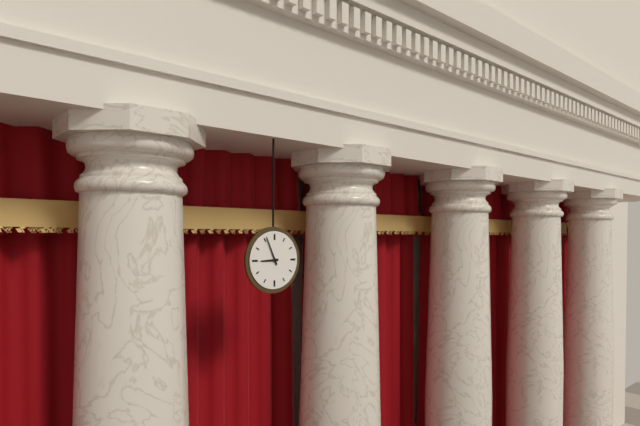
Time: 8h56
